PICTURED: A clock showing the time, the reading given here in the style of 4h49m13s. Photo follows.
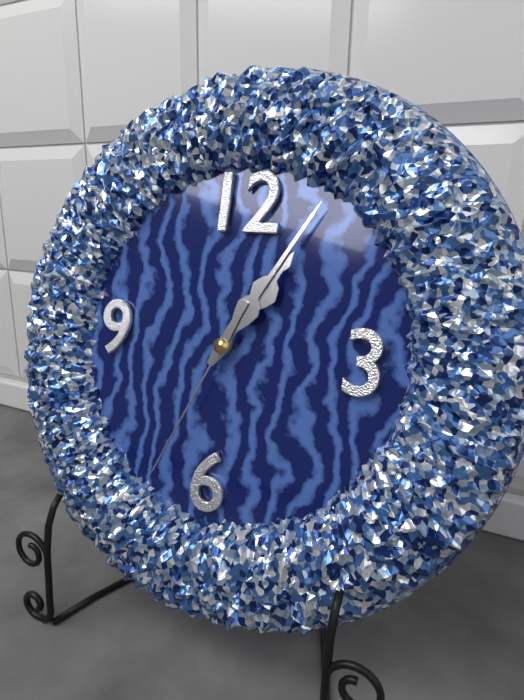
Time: 1h05m34s
